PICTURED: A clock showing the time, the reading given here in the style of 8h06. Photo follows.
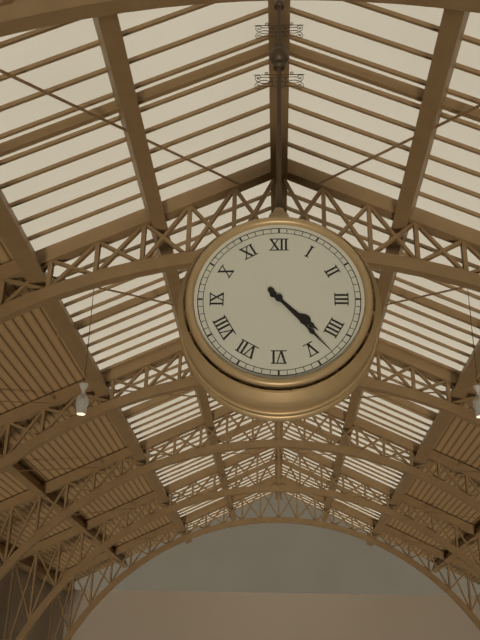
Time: 4h23
